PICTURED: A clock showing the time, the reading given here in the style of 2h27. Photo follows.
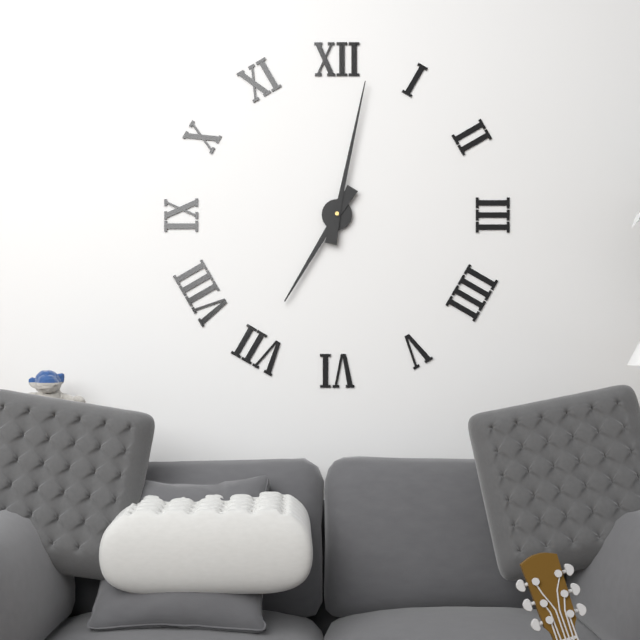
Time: 7h02
